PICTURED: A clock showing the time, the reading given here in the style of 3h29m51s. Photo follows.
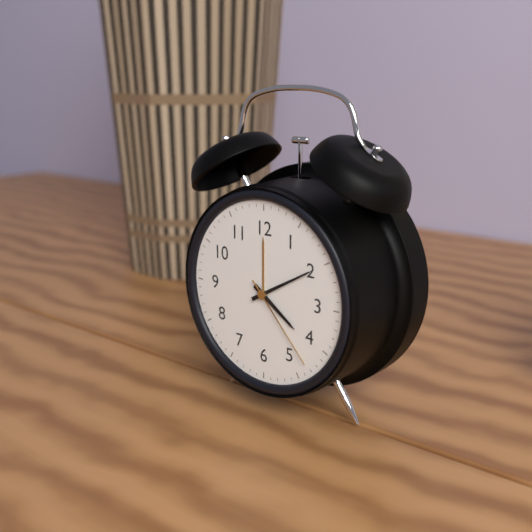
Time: 4h10m23s
